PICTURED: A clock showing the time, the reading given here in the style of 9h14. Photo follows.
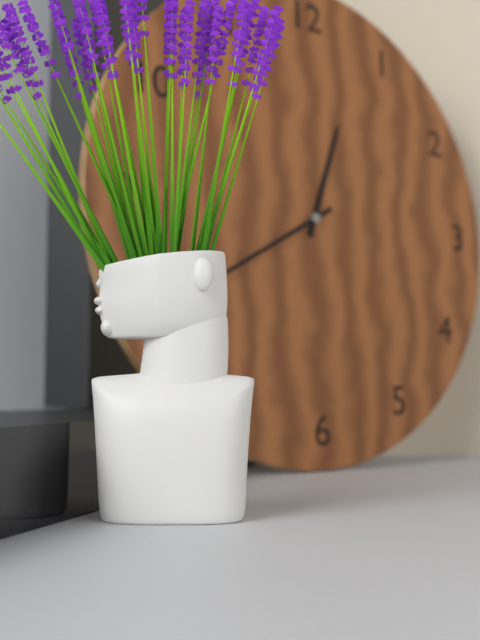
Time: 12h40
